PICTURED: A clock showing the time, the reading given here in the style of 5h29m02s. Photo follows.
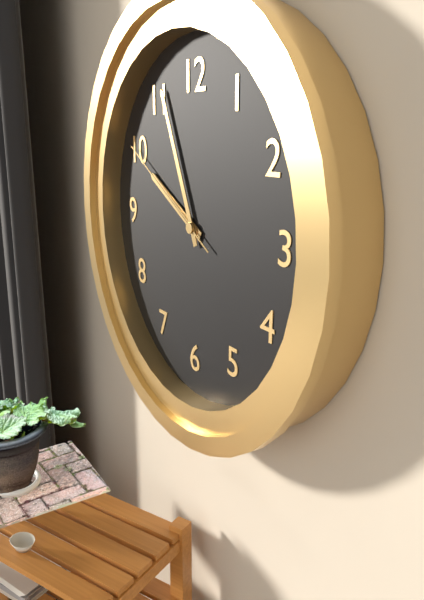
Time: 9h56m50s
